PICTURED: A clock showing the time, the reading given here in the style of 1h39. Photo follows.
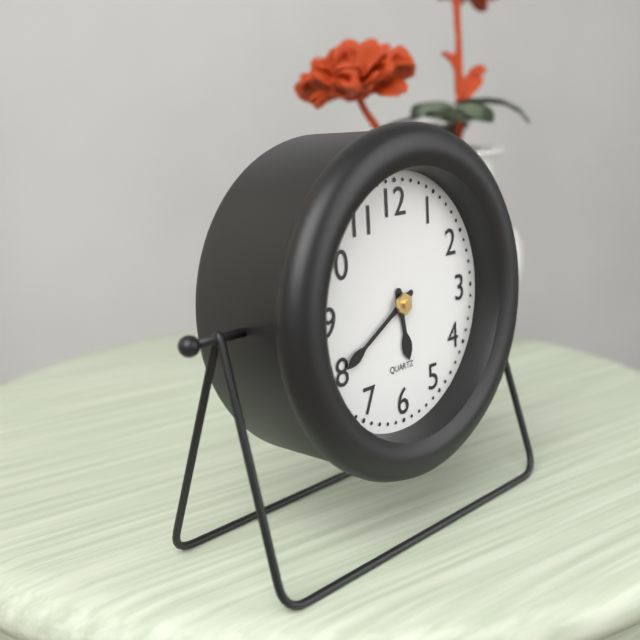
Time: 5h40
